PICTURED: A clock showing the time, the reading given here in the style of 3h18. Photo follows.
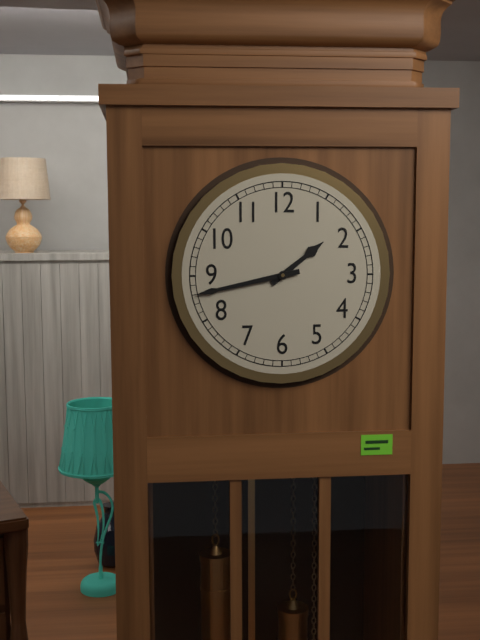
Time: 1h43
